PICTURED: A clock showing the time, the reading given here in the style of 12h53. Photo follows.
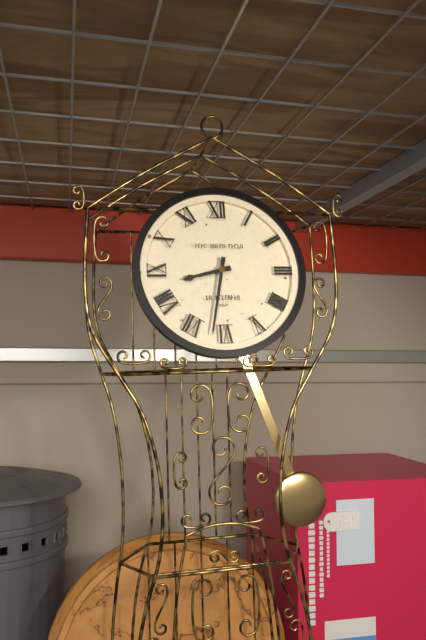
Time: 8h32
